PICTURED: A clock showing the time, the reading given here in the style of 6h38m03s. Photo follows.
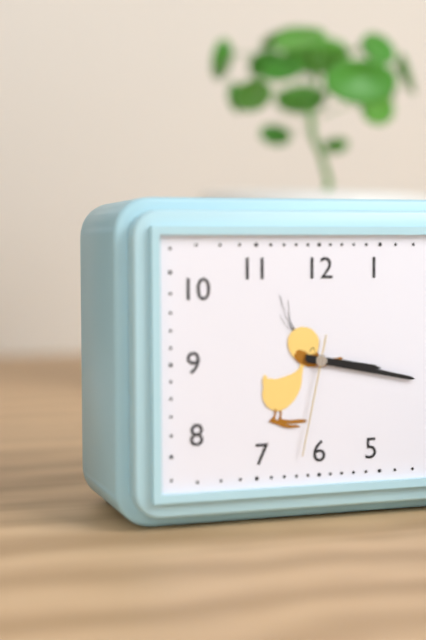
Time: 3h17m32s
